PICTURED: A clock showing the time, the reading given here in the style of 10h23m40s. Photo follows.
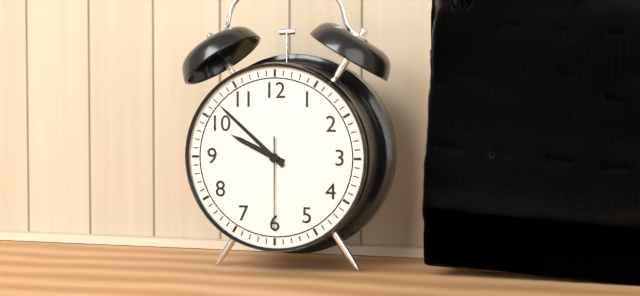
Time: 9h52m30s
